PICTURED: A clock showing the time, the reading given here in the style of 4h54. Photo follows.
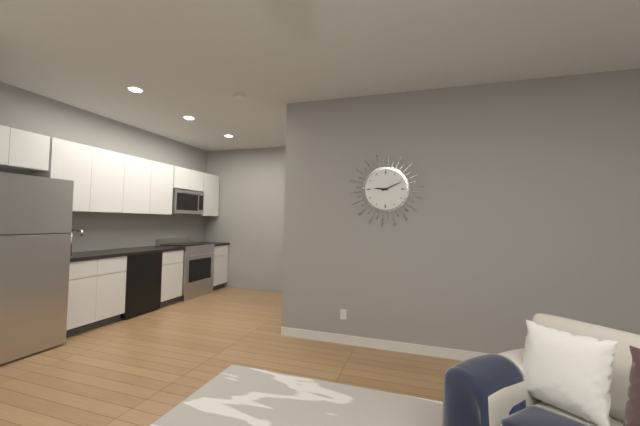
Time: 9h11
